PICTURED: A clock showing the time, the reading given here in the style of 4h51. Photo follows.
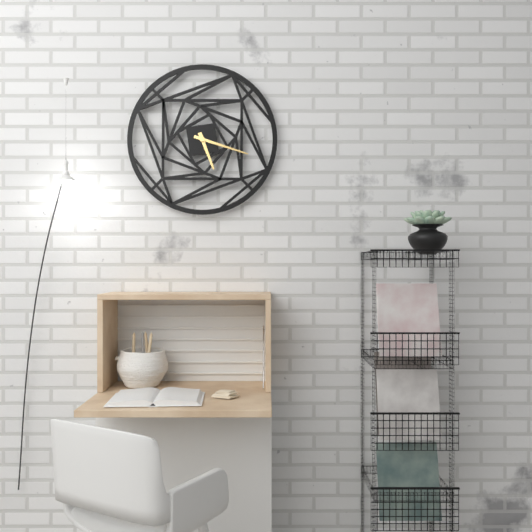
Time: 5h18
